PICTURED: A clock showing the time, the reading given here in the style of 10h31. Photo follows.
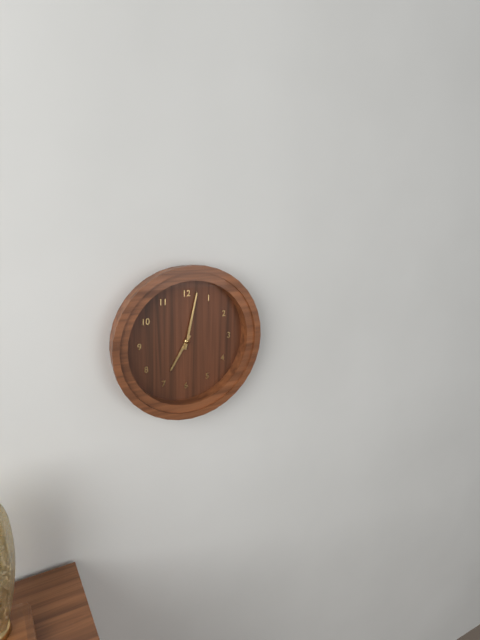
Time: 7h02
